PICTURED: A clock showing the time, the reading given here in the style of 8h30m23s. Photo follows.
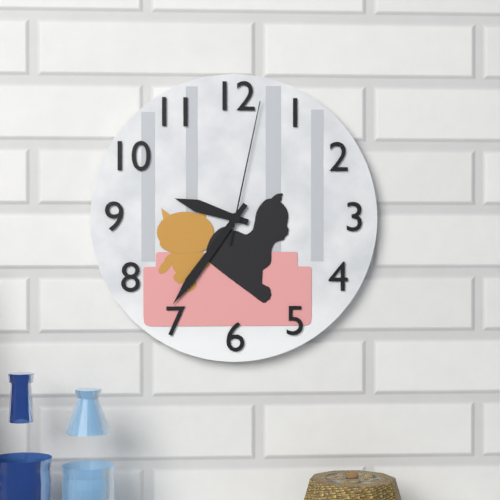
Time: 9h36m02s
